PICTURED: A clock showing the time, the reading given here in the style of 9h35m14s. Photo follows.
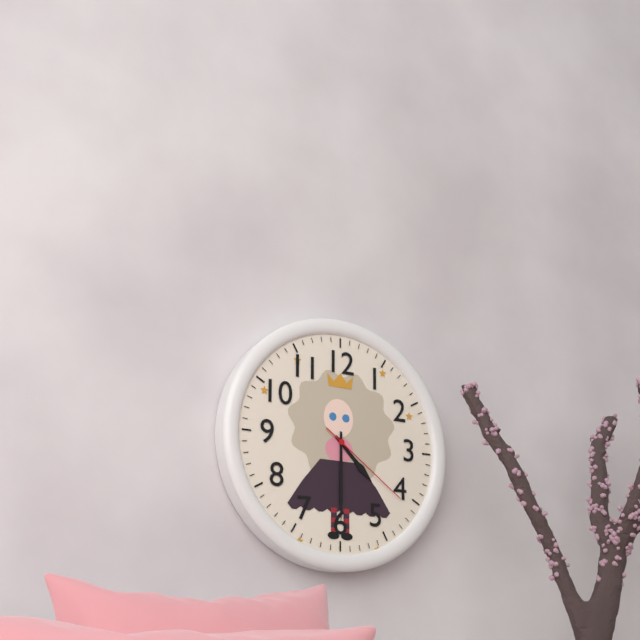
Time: 4h30m21s
